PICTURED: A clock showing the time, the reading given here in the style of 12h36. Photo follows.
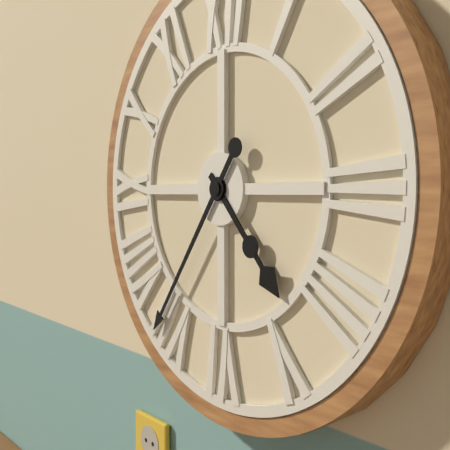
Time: 4h36
